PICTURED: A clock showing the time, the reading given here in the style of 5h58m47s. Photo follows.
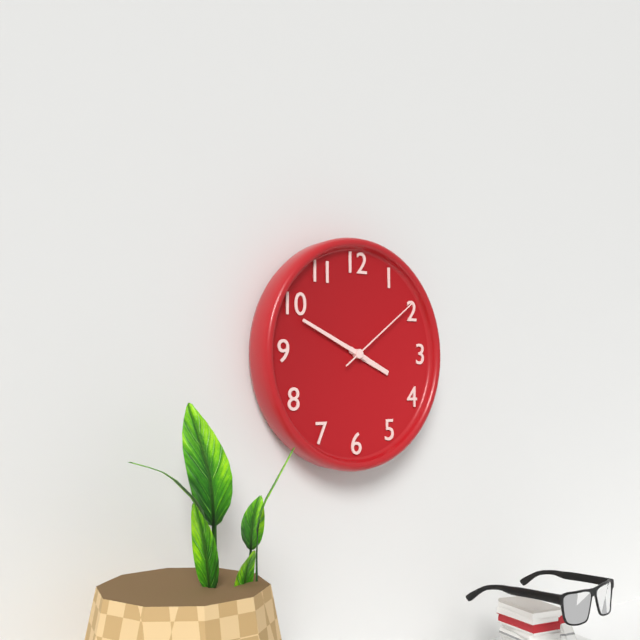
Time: 3h49m09s
